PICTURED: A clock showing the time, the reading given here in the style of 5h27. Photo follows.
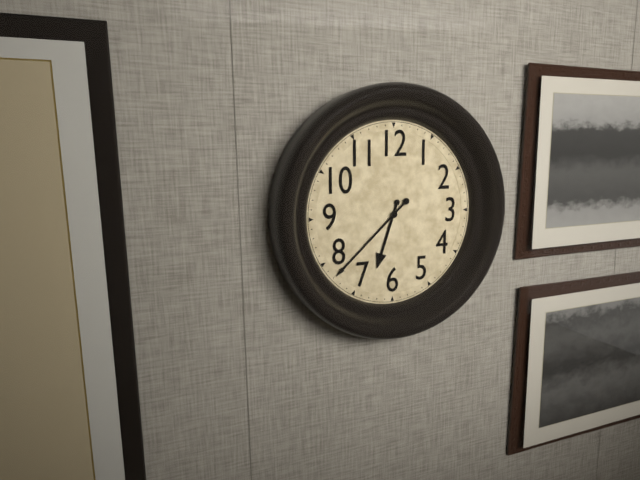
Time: 6h38
